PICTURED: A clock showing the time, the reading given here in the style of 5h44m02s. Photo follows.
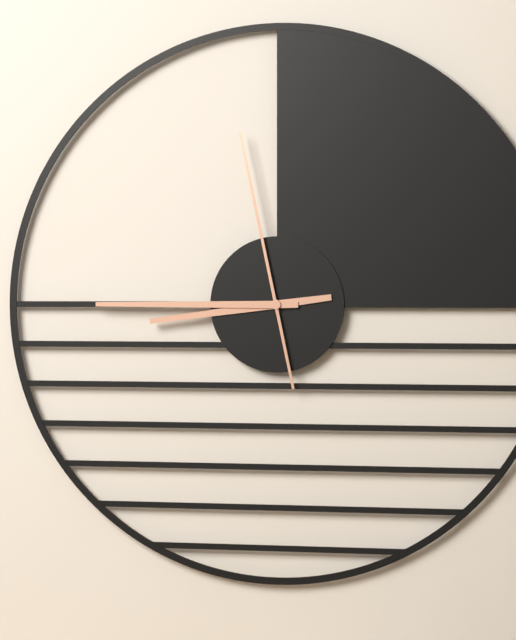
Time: 8h45m58s
